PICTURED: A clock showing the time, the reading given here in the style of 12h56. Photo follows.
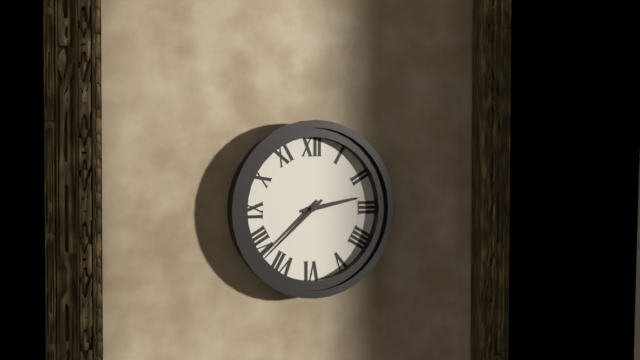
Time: 2h38
